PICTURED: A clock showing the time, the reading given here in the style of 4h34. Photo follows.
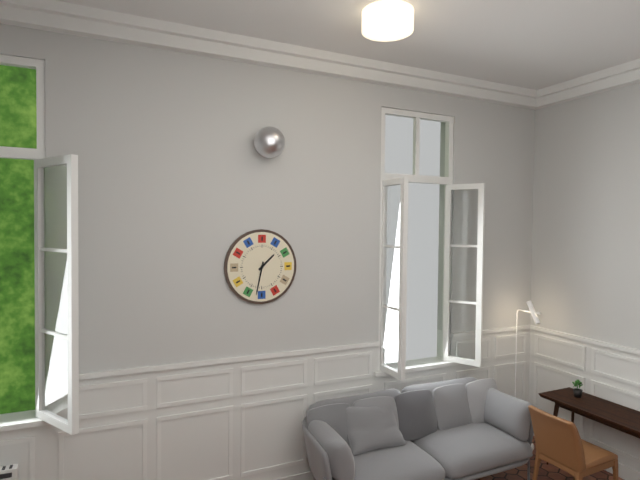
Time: 1h32
